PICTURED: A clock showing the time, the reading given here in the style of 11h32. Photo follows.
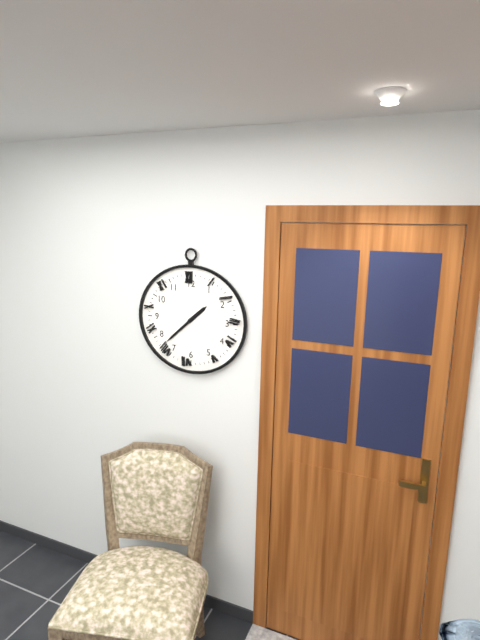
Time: 1h38
